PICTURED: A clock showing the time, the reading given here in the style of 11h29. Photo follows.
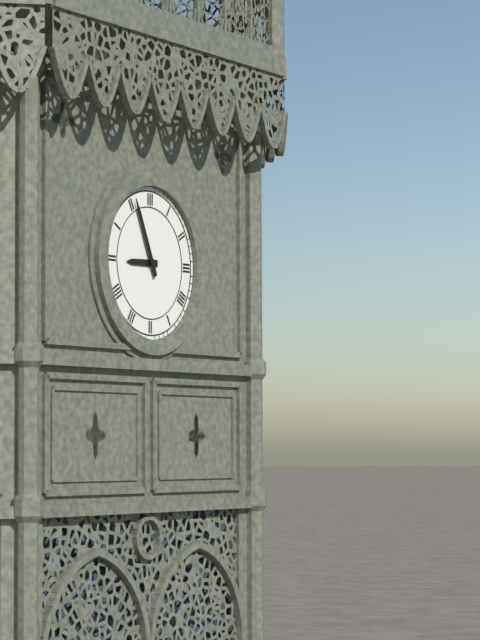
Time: 8h56
